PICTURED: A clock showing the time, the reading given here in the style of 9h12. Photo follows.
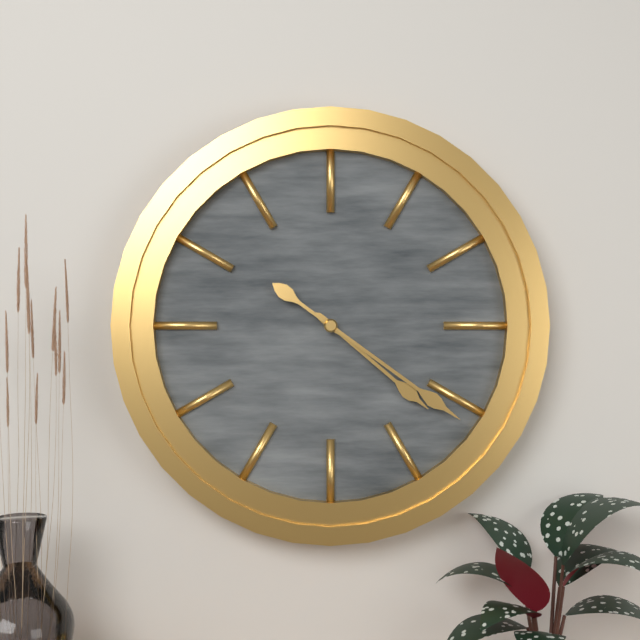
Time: 4h21
